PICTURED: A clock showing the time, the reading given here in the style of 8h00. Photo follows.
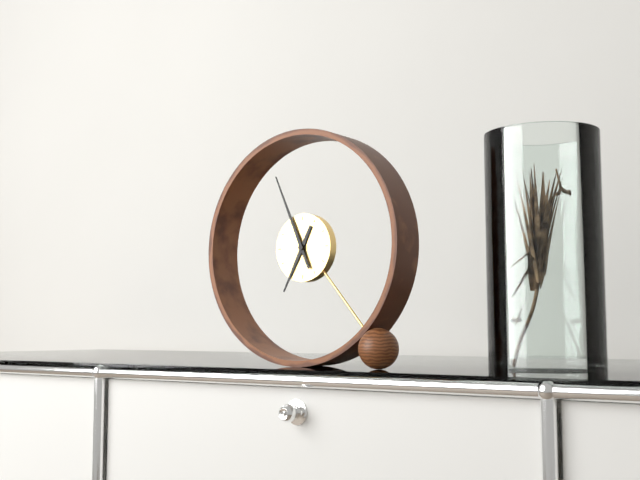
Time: 6h56
